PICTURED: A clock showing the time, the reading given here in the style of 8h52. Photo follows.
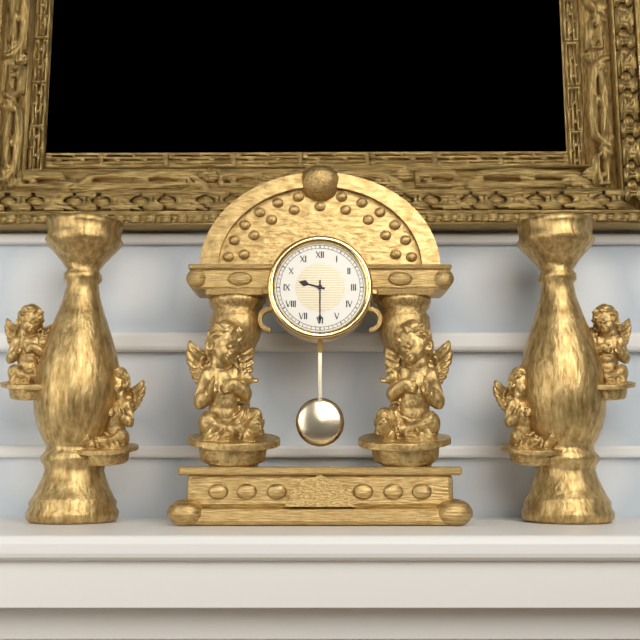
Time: 9h30
